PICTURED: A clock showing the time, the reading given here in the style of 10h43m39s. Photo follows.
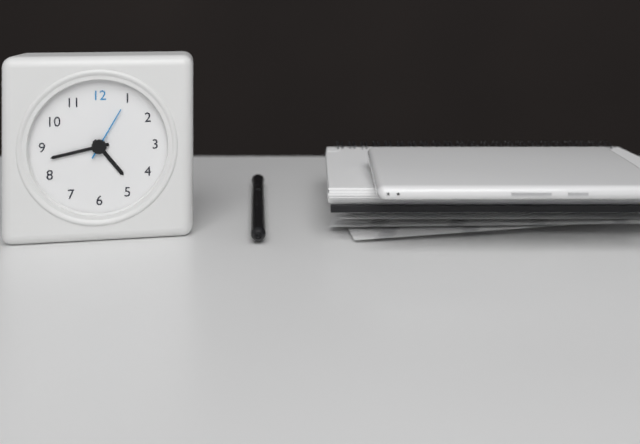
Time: 4h43m05s
